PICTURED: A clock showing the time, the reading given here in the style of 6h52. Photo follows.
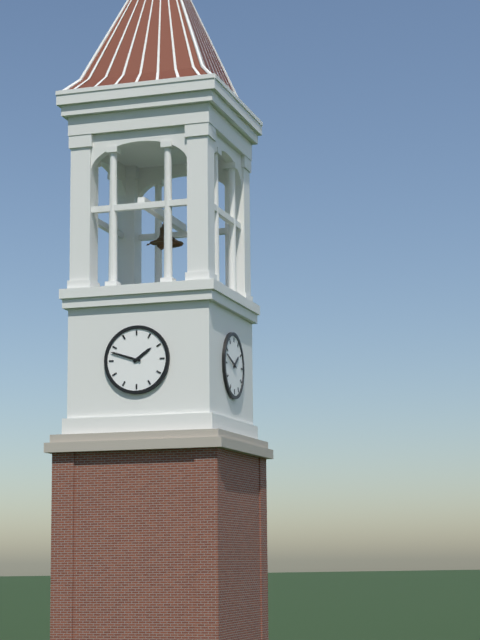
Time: 1h48
